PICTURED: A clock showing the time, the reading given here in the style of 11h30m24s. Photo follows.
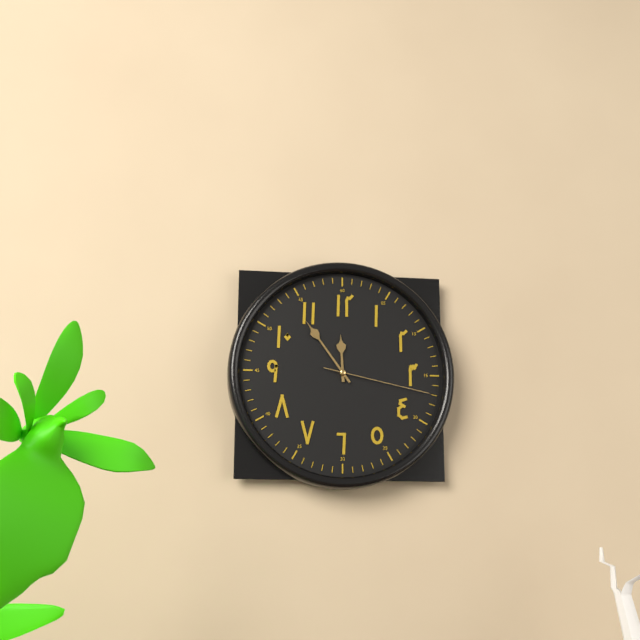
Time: 11h54m17s
